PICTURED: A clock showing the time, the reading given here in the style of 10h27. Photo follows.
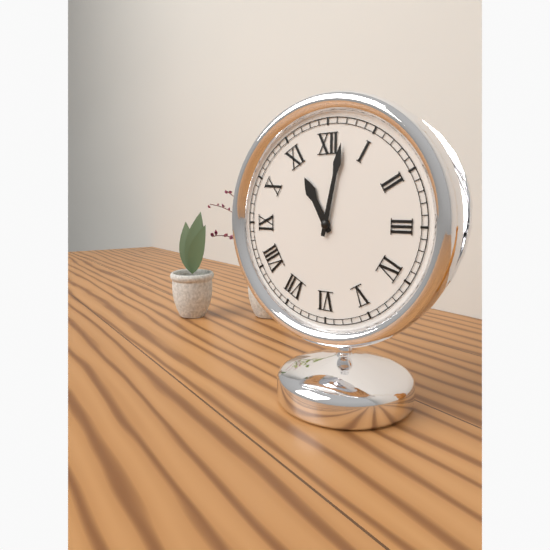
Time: 11h02
